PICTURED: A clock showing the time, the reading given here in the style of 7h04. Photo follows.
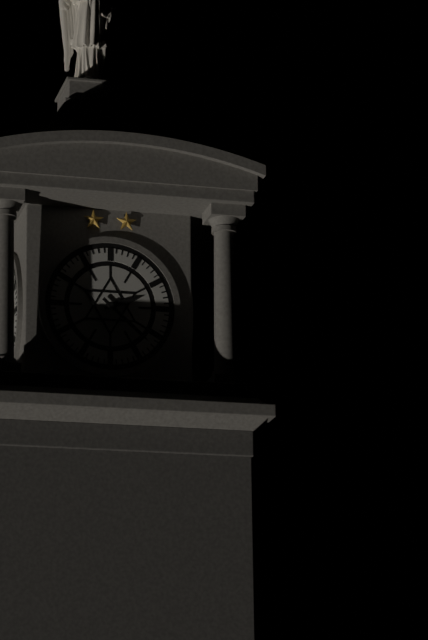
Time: 2h22
